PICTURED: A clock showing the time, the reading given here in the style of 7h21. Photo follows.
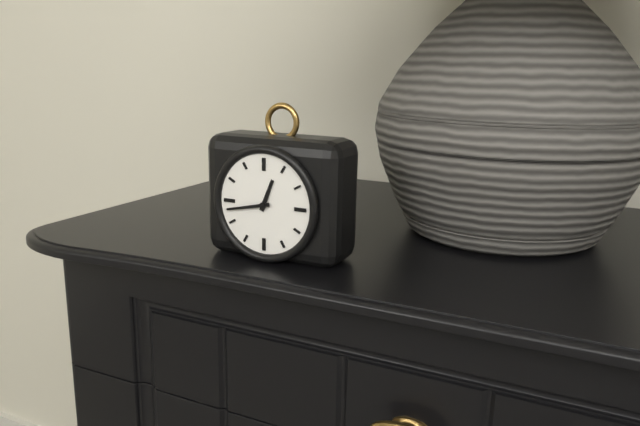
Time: 12h43
